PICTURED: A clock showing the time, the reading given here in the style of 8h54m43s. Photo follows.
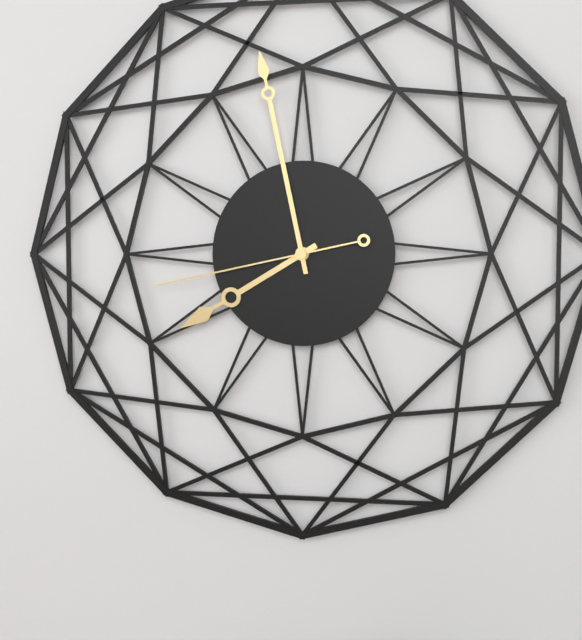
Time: 7h58m43s
